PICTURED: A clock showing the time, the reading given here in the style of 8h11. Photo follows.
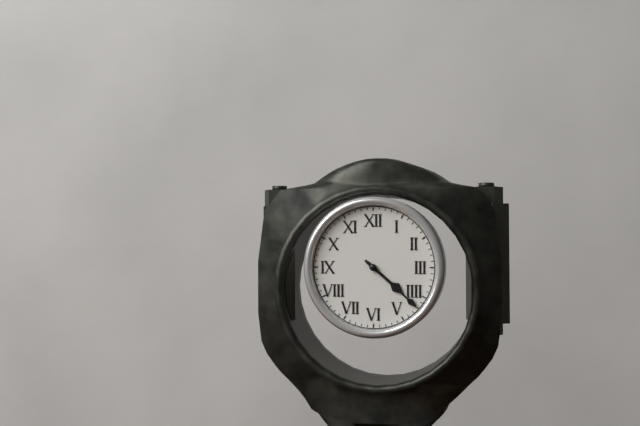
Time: 4h22
